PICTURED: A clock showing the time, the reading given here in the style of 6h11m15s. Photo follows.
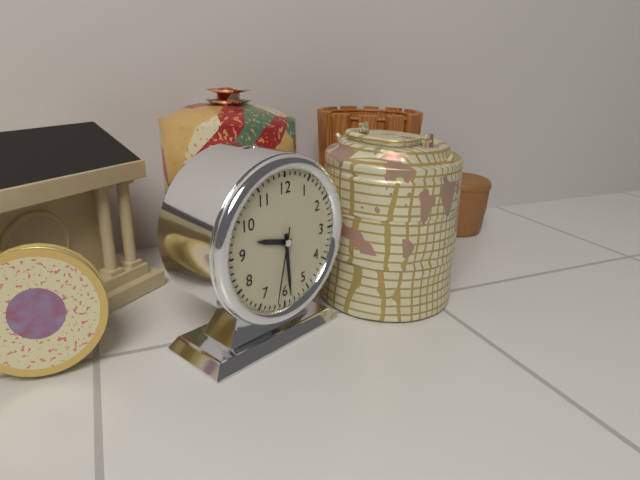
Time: 9h29m32s
